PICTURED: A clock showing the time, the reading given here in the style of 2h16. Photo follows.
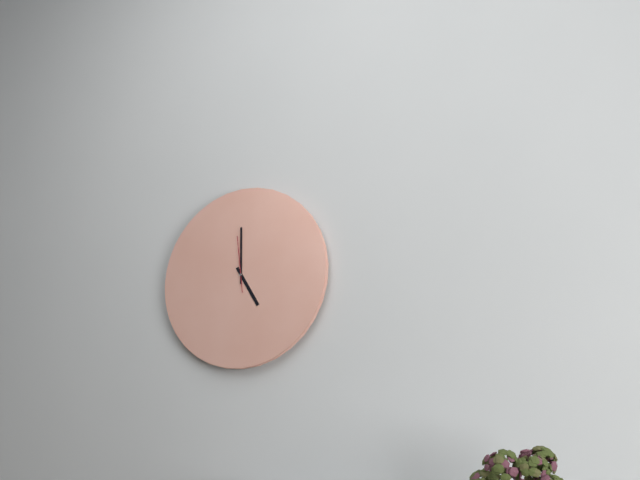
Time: 5h00
